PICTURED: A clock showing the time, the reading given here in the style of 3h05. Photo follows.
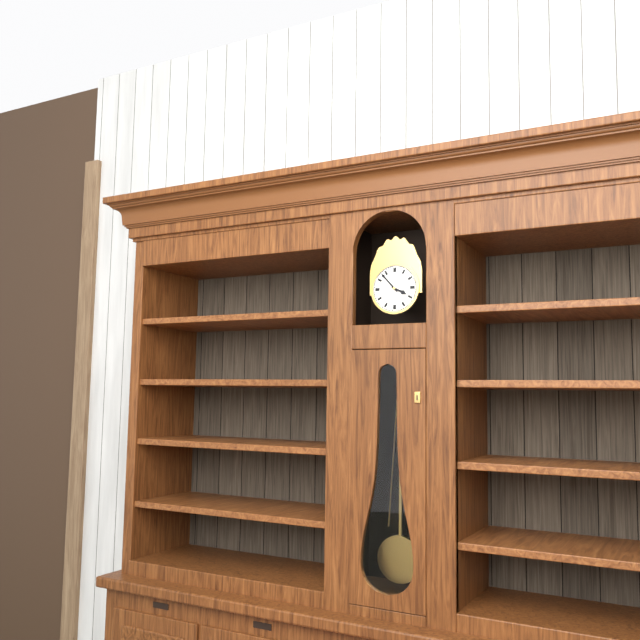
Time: 3h53
